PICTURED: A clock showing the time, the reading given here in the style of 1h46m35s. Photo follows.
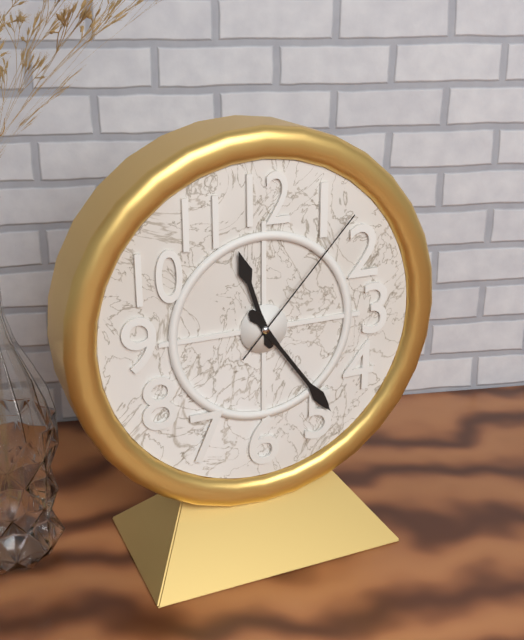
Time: 11h24m07s
